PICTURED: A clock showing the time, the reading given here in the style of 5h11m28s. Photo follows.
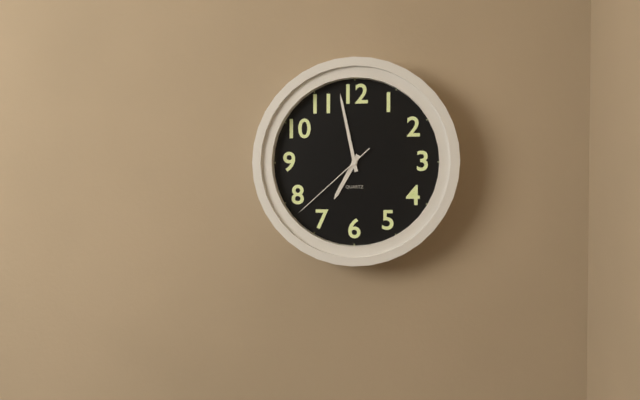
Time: 6h58m38s
